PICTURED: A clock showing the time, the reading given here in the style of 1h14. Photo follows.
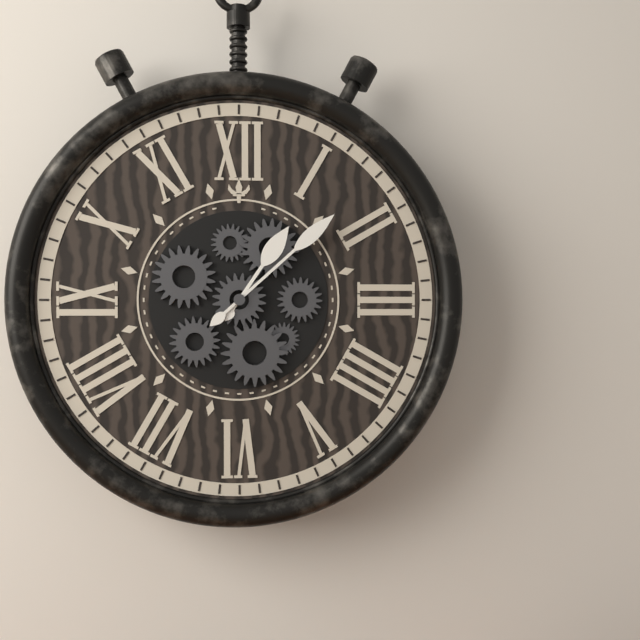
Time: 1h08
